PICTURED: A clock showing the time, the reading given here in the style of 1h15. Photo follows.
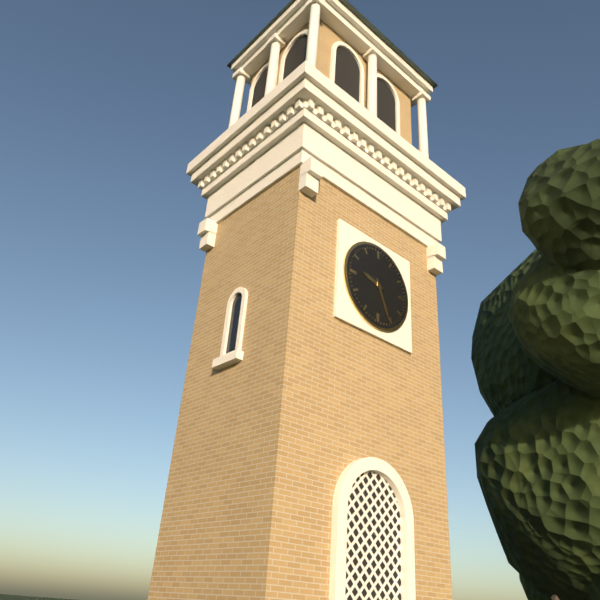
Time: 9h26
